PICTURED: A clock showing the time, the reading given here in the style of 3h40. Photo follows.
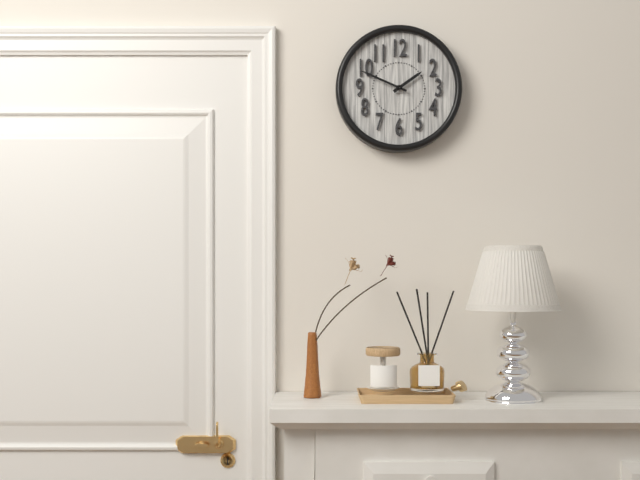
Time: 1h49
